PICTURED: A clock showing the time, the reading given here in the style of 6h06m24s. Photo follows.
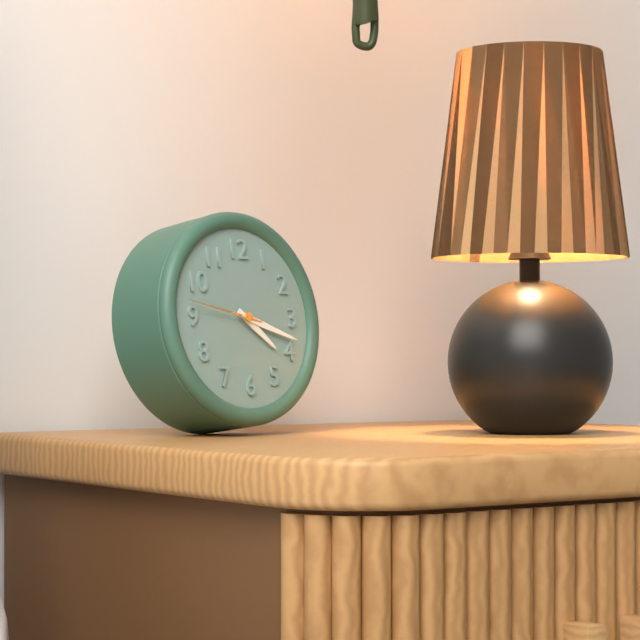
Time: 4h18m47s
